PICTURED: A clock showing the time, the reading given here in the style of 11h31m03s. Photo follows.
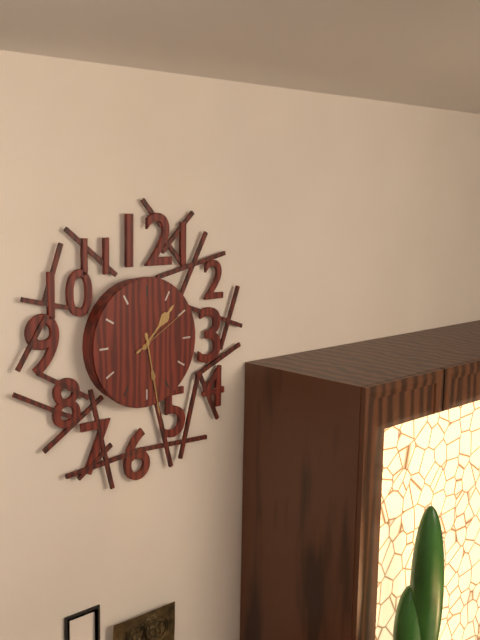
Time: 1h28m10s
